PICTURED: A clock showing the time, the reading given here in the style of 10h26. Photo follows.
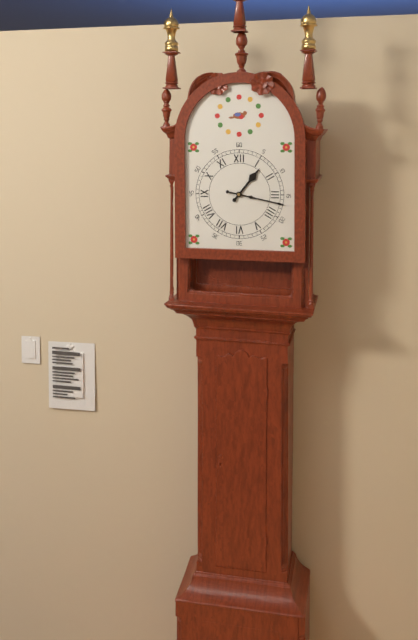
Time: 1h17
